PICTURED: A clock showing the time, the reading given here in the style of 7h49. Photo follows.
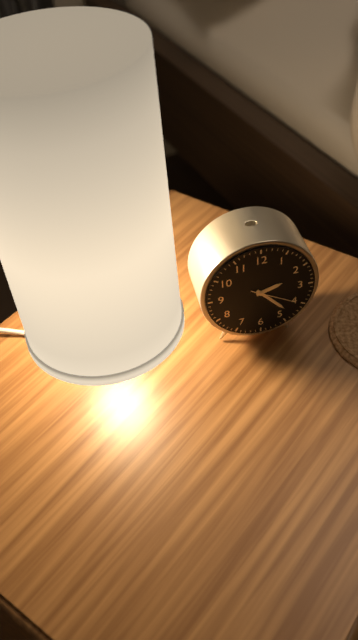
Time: 2h23
